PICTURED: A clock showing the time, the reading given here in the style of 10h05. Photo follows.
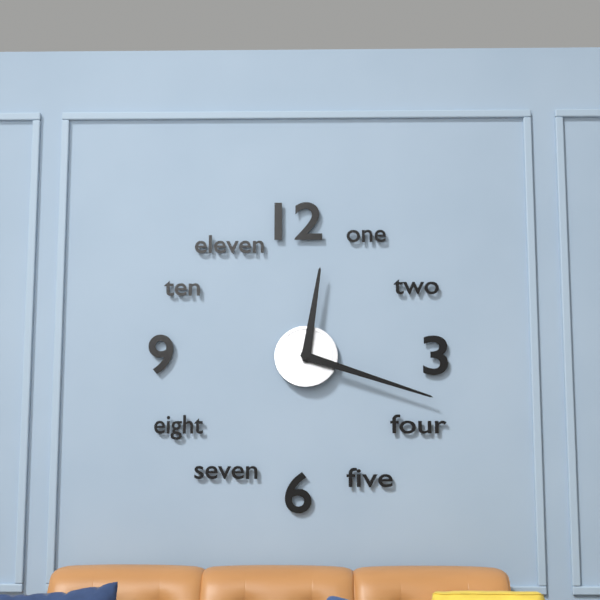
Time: 12h18
